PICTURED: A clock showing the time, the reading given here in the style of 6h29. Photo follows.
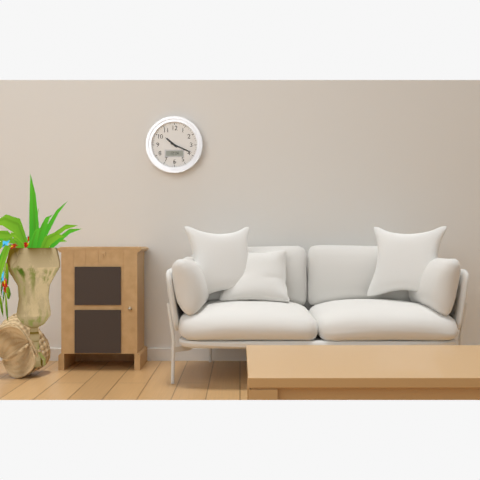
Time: 10h19
